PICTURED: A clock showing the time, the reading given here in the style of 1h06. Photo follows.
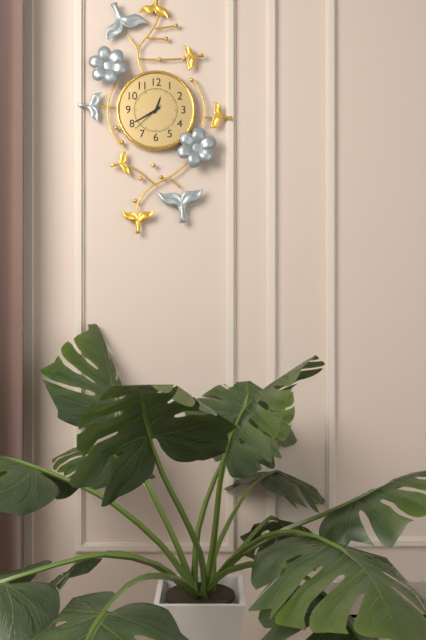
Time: 12h40
